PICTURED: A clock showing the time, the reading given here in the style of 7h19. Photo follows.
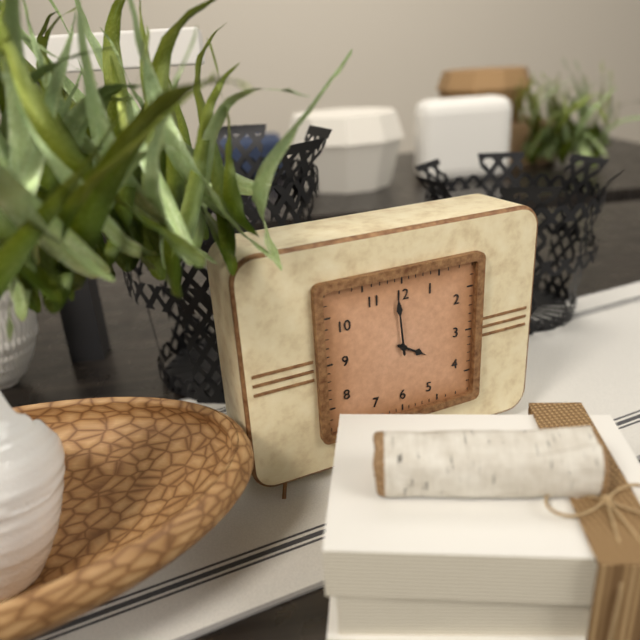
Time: 3h59
